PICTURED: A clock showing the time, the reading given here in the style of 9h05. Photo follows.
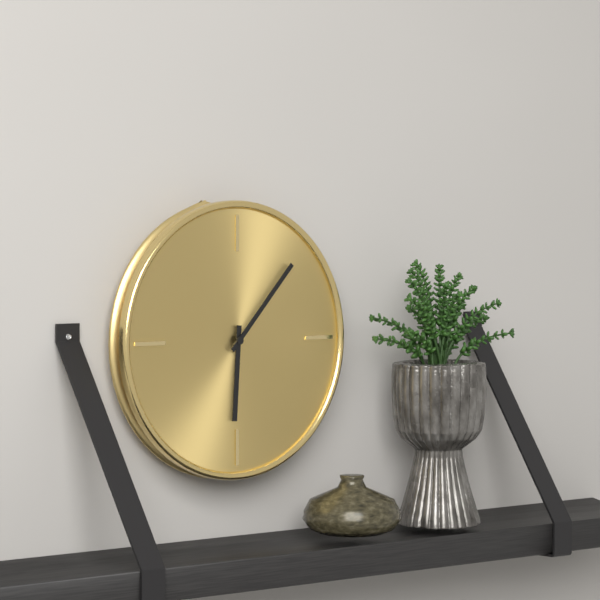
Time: 6h07
